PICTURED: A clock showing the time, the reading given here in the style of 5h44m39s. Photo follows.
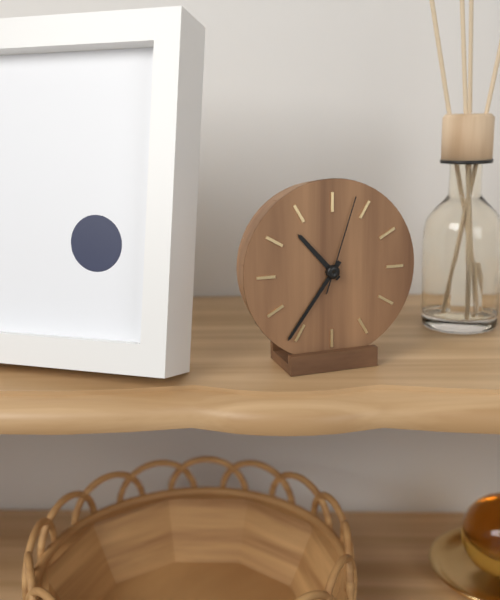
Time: 10h36m03s
